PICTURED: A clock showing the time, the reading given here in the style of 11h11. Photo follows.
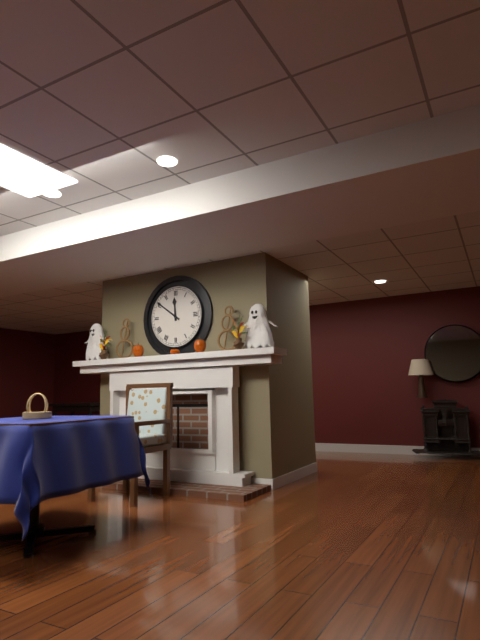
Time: 11h51
